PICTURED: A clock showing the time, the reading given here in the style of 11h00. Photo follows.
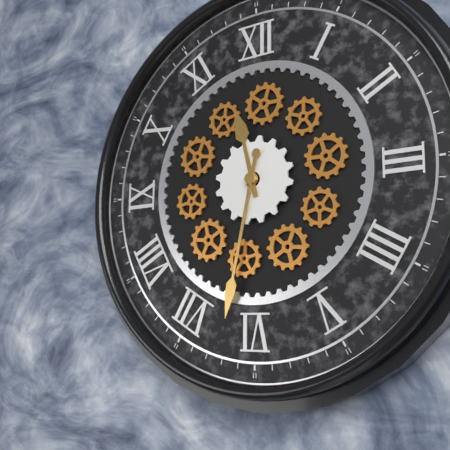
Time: 11h32
